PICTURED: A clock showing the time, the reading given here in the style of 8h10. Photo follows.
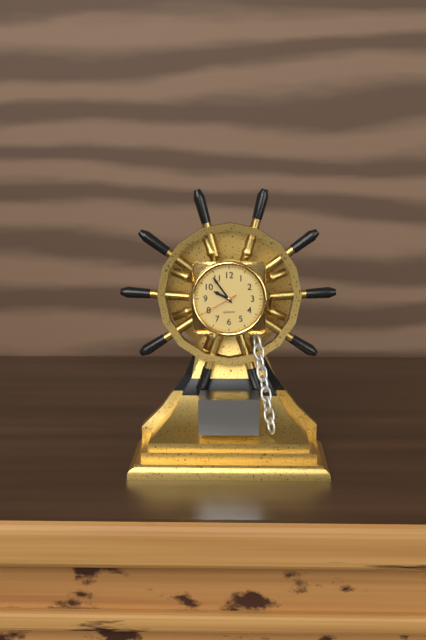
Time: 9h54
